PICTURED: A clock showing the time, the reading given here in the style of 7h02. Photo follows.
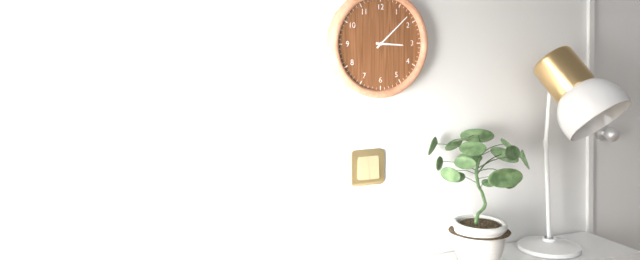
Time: 3h08
